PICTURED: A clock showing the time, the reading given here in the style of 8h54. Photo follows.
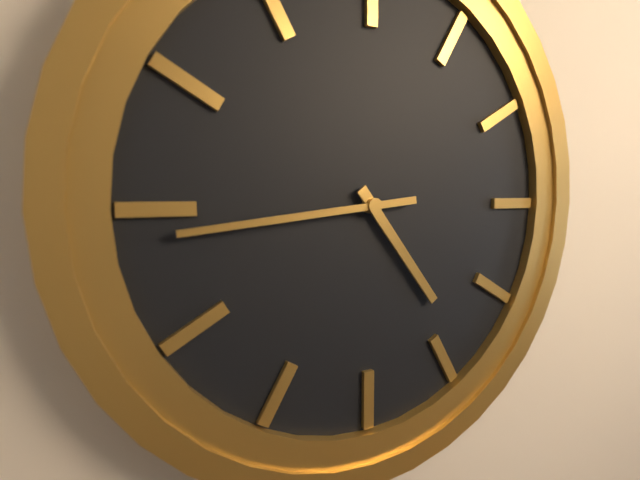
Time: 4h44
